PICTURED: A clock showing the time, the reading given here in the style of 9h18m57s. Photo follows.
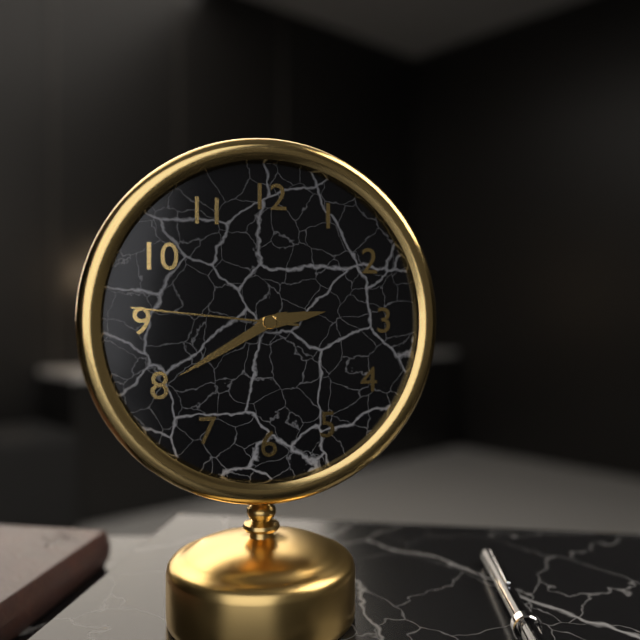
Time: 2h40m46s
